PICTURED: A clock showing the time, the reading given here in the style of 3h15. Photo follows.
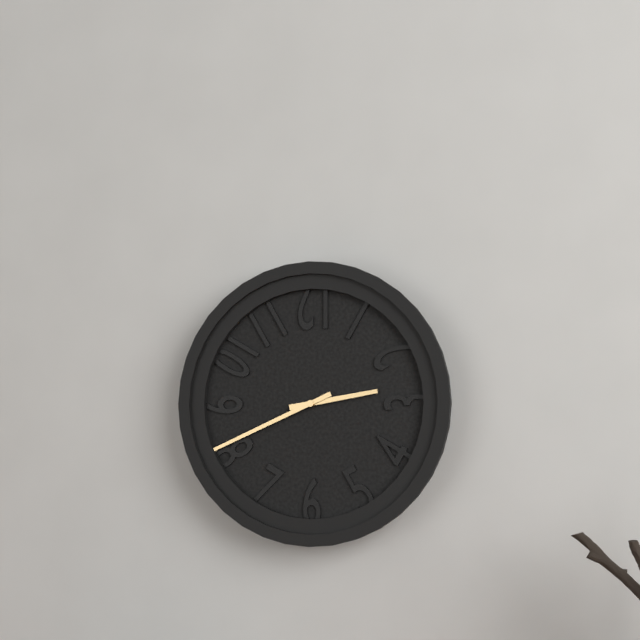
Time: 2h41
